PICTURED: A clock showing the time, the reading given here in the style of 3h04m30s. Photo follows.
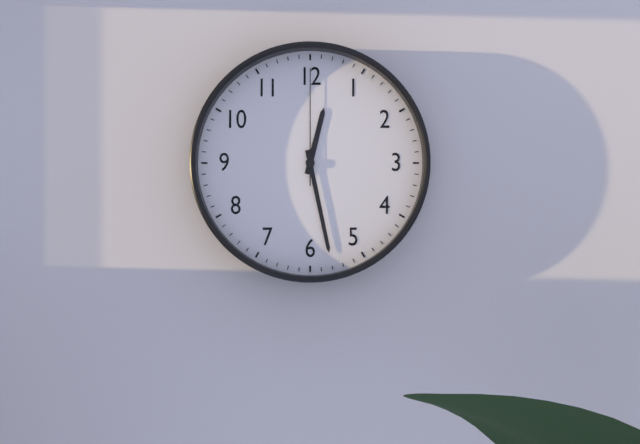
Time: 12h28m00s
